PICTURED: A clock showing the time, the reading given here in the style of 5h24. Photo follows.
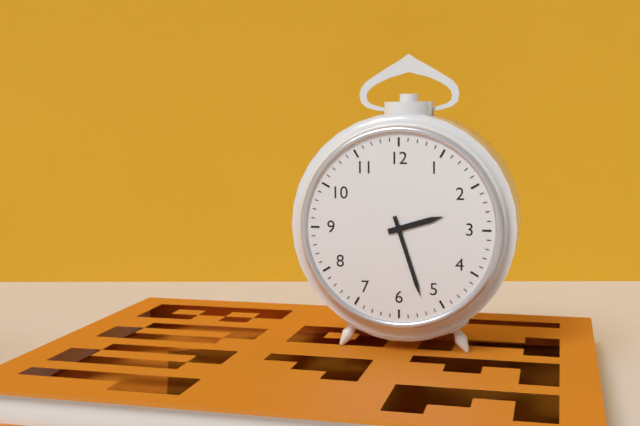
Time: 2h27
